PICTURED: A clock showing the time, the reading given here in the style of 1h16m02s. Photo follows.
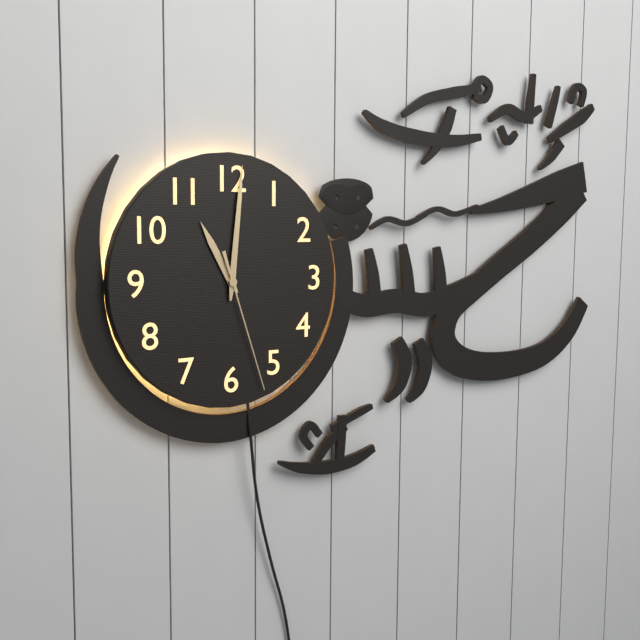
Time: 11h01m27s
